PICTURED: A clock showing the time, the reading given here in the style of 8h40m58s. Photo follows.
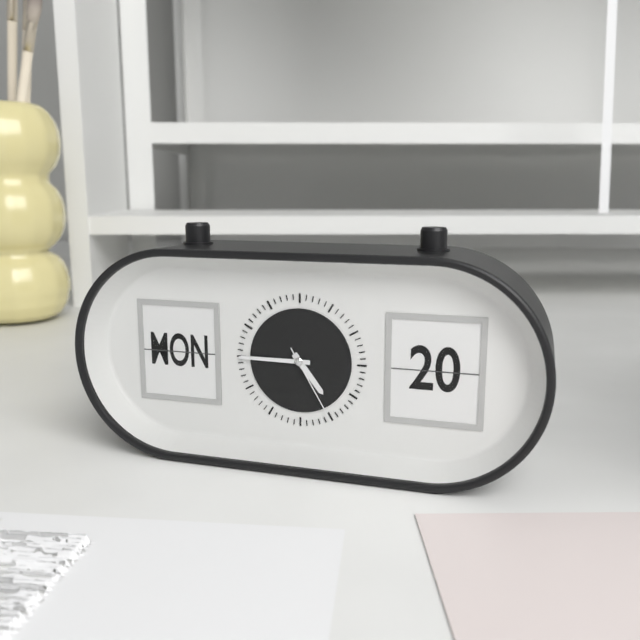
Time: 4h45m25s
